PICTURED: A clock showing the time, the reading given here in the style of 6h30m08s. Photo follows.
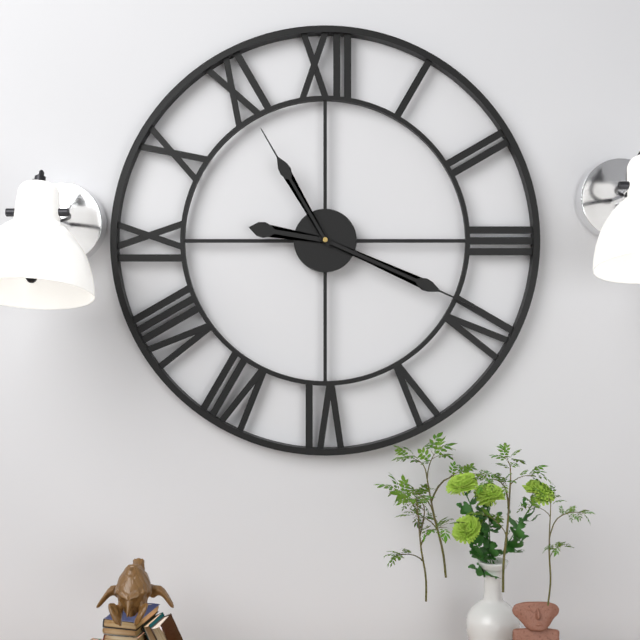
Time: 9h19m55s
